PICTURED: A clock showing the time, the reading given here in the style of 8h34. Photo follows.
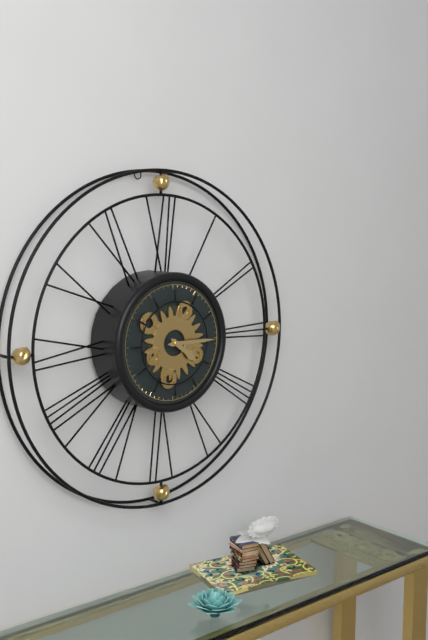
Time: 4h15
